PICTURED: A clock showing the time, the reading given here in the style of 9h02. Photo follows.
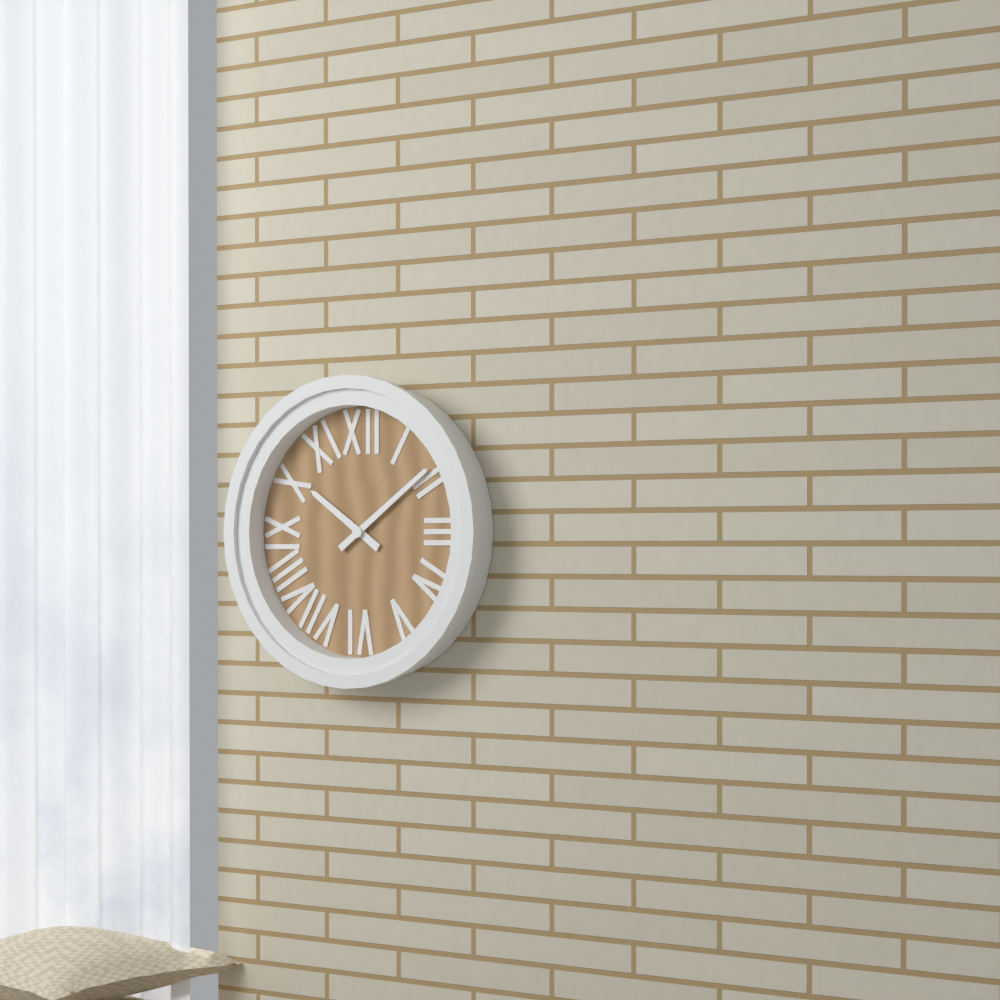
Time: 10h09
